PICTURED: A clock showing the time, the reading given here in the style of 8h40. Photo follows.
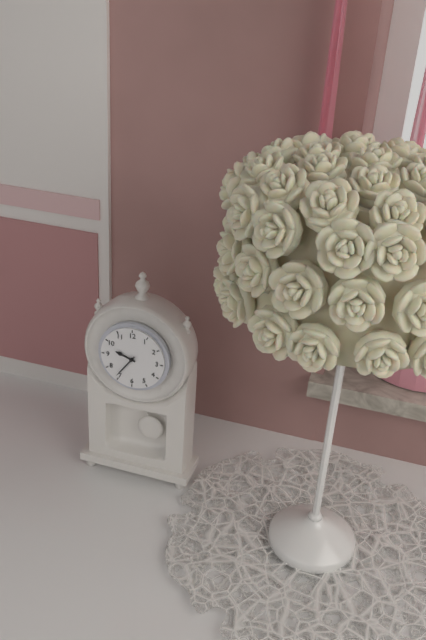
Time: 9h36
